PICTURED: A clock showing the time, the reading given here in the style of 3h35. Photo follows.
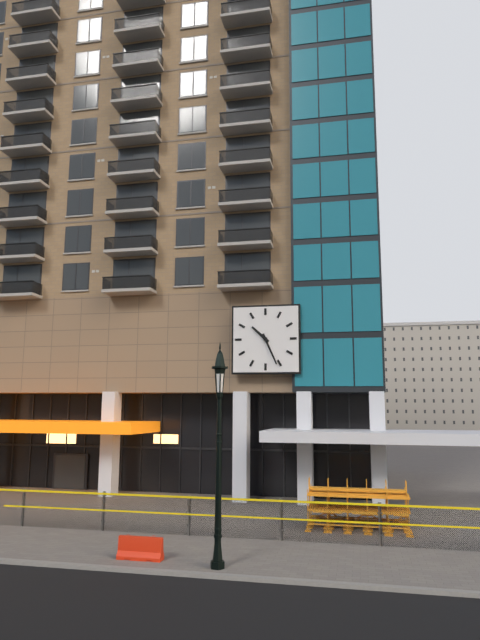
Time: 10h26
